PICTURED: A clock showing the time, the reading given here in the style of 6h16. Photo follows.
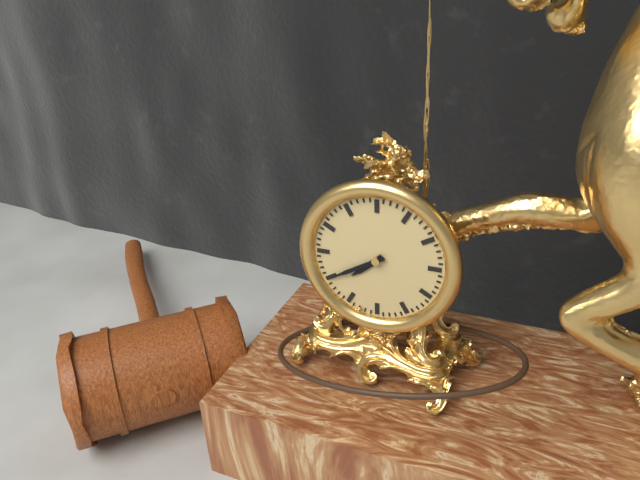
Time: 7h40
